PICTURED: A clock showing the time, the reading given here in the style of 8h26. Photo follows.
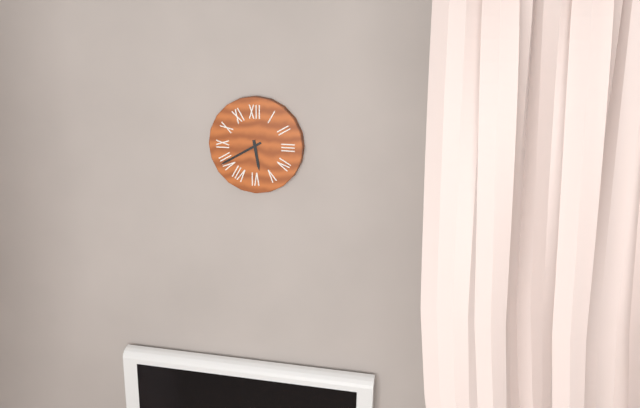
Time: 5h40
